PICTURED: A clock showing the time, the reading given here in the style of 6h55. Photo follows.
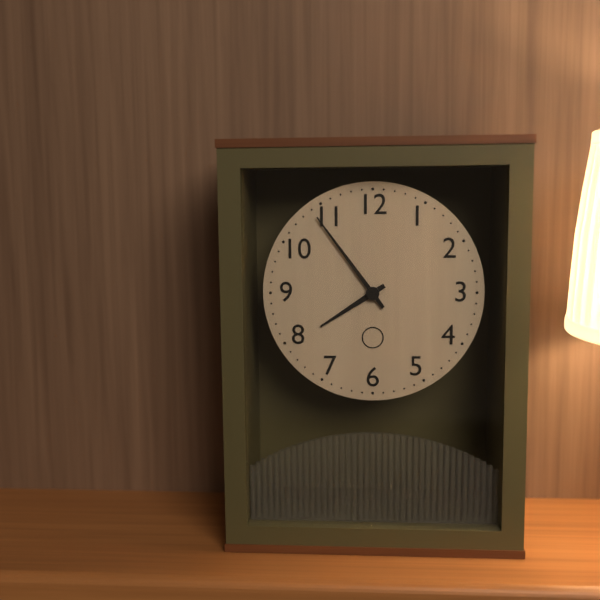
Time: 7h54
